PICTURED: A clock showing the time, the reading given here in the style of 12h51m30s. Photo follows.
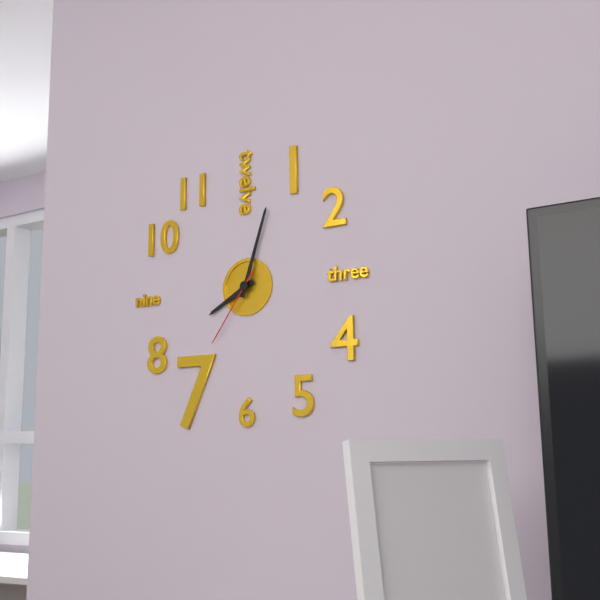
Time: 8h03m36s
